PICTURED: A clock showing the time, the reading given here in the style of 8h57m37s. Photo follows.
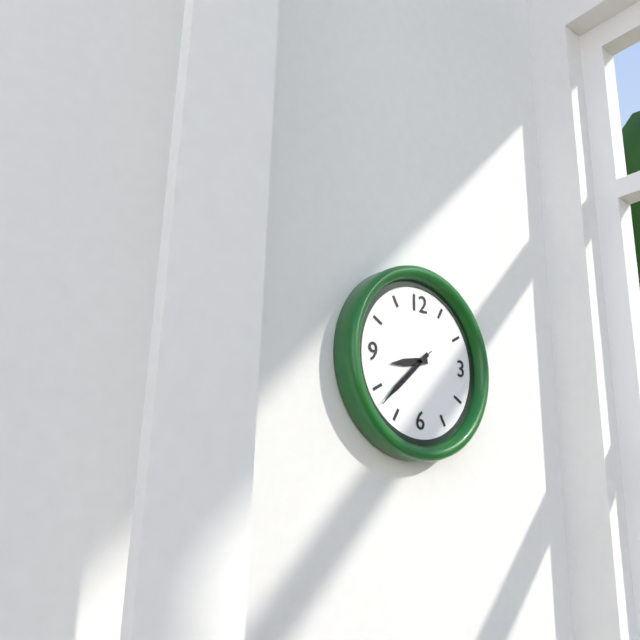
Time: 8h38m38s
